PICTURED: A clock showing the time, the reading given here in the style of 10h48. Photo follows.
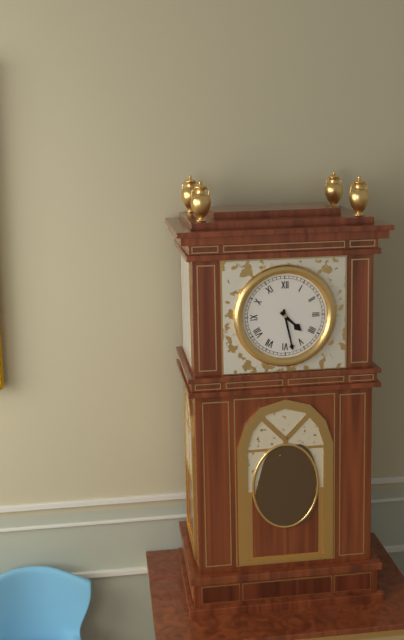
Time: 4h28
